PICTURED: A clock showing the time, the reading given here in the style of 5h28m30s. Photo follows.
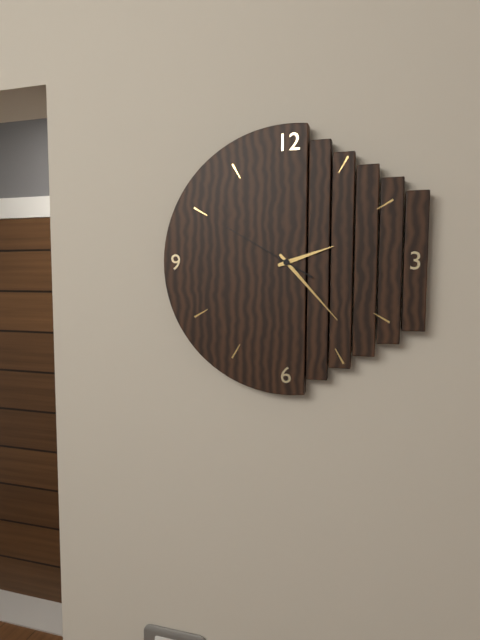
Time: 2h23m50s
